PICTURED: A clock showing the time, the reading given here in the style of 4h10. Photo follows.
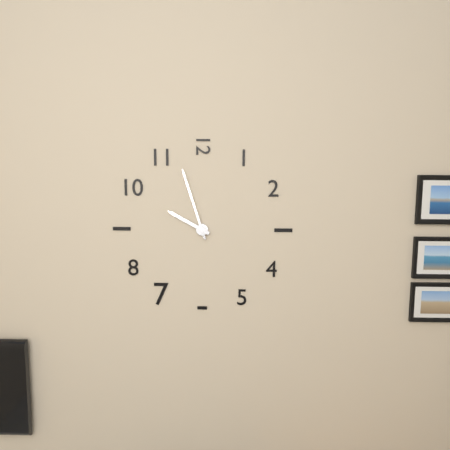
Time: 9h57
